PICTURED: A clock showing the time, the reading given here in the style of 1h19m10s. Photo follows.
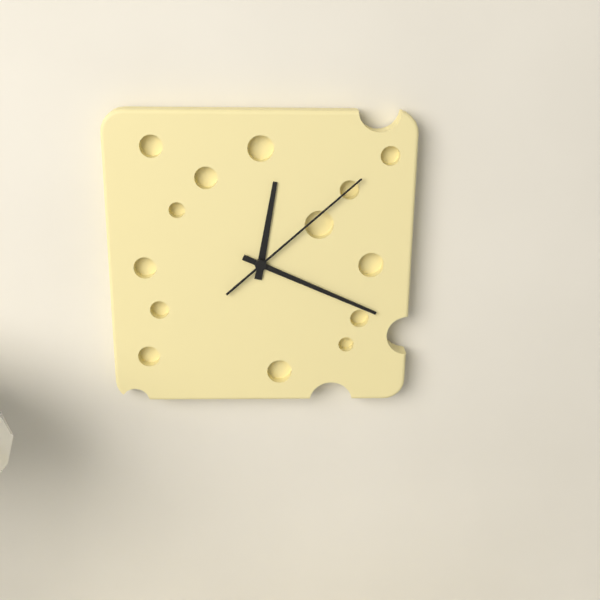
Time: 12h19m08s
